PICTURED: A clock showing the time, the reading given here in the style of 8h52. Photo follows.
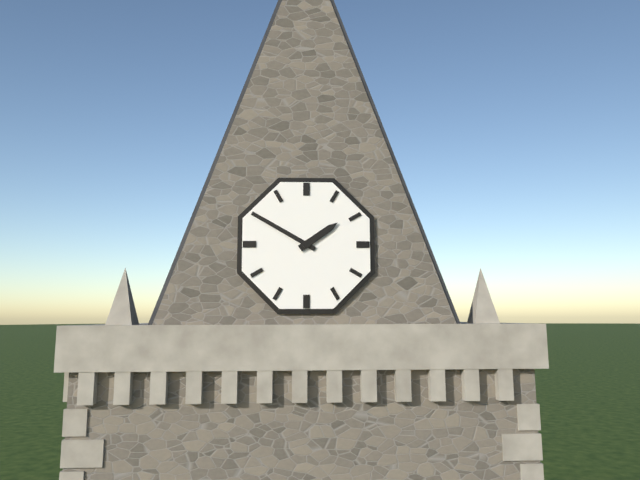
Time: 1h50
